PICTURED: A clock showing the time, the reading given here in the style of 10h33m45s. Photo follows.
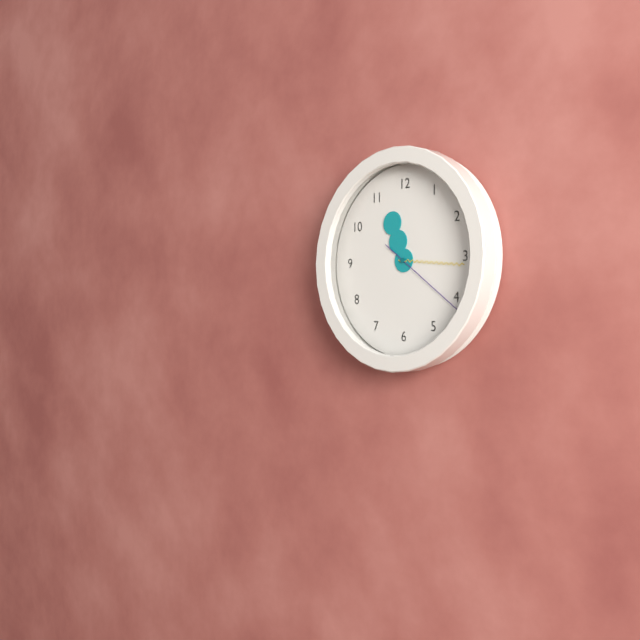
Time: 11h16m21s
